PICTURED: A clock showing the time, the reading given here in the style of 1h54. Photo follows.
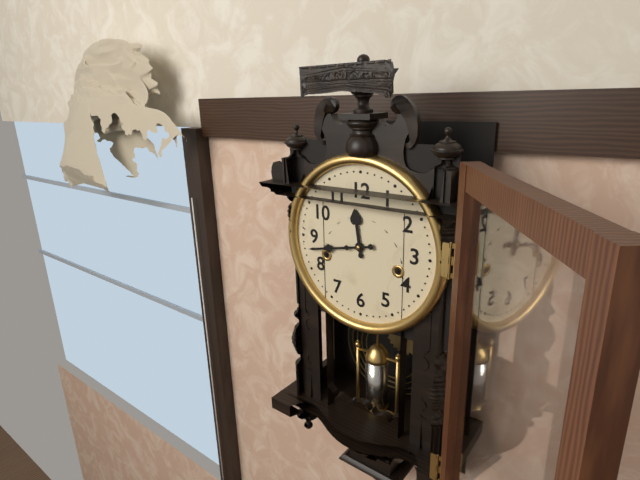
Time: 11h43
